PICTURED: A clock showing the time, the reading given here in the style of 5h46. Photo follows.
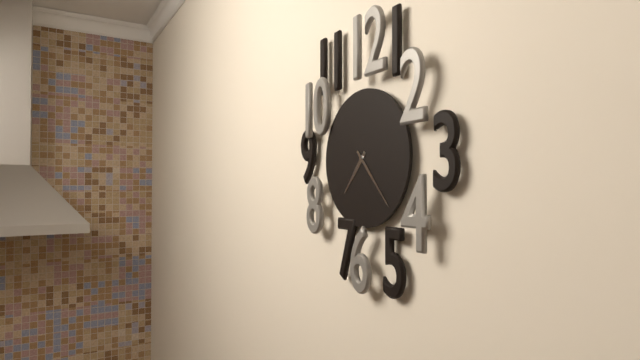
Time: 7h23
